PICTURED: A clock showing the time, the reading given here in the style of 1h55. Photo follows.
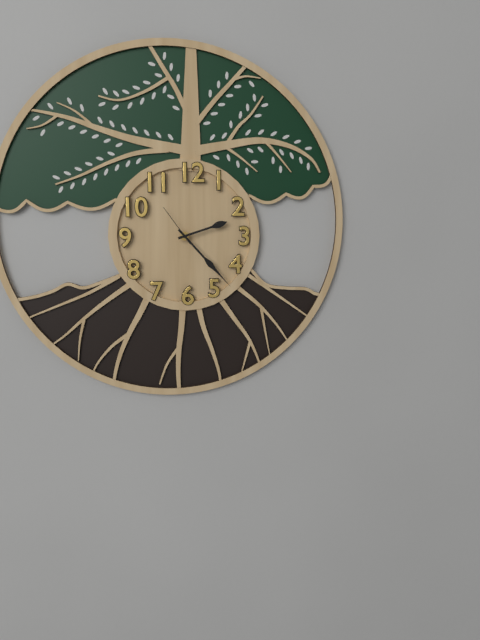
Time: 2h23
